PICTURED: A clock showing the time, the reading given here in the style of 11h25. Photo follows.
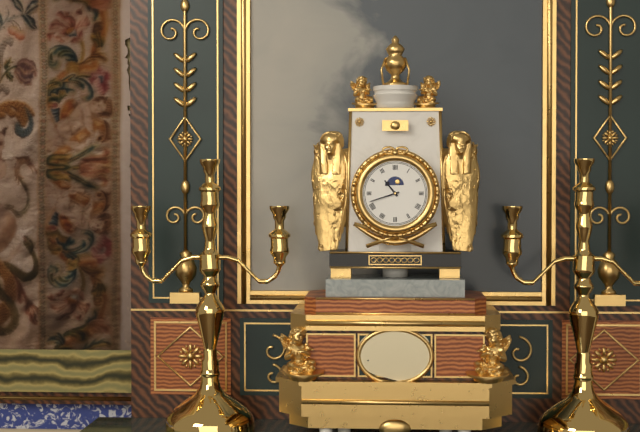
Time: 10h42
